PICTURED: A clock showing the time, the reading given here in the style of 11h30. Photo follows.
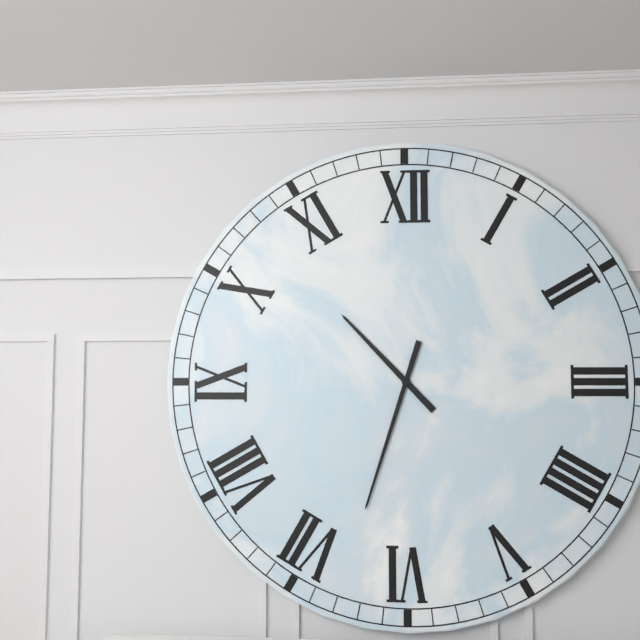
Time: 10h33
